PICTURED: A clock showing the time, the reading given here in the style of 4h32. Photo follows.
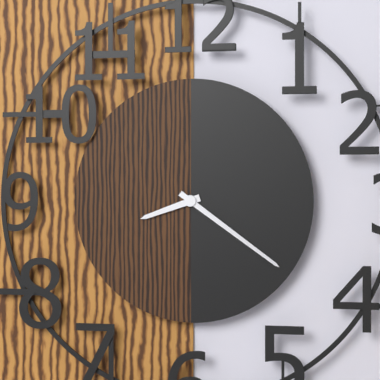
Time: 8h21
